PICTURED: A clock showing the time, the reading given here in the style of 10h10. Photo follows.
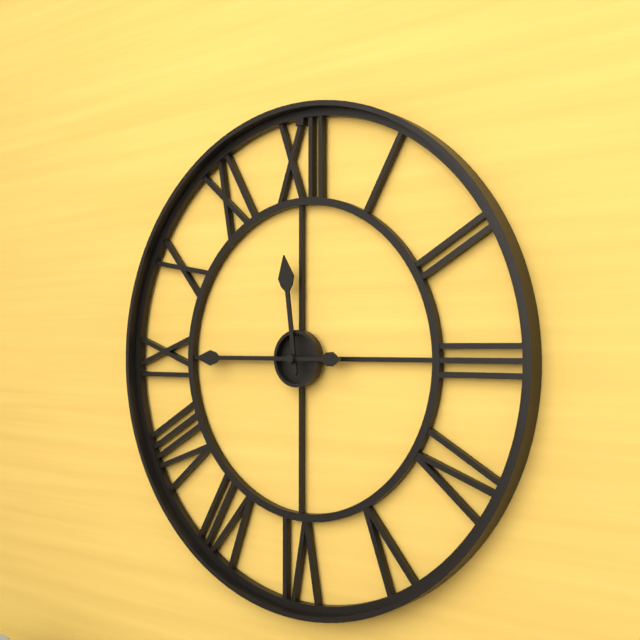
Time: 11h45
